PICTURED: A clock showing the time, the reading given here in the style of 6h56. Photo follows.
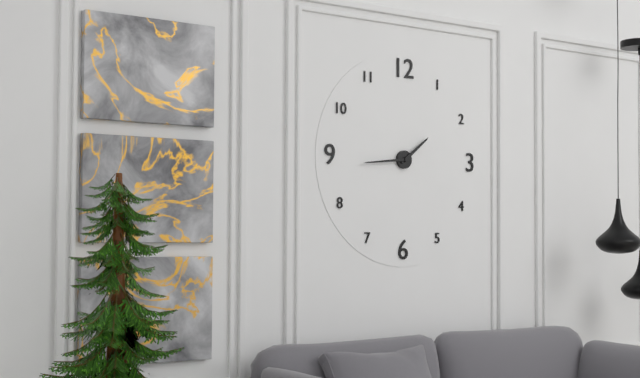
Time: 1h44
